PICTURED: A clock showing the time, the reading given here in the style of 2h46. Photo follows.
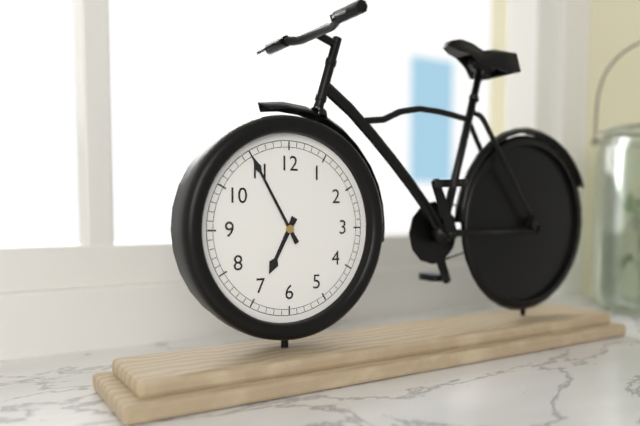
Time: 6h55
